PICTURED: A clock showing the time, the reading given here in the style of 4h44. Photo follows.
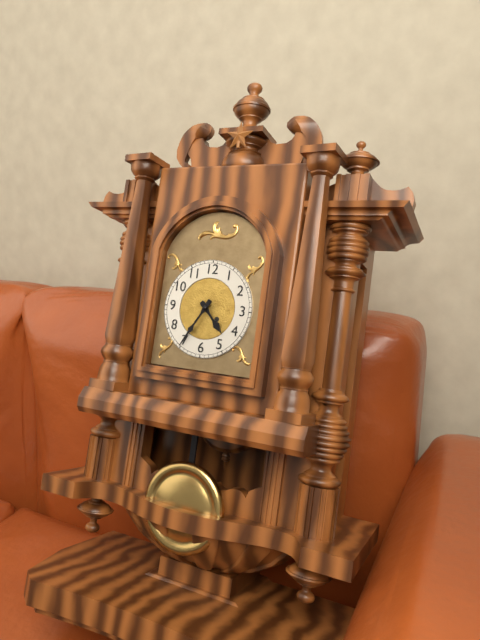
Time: 4h35
